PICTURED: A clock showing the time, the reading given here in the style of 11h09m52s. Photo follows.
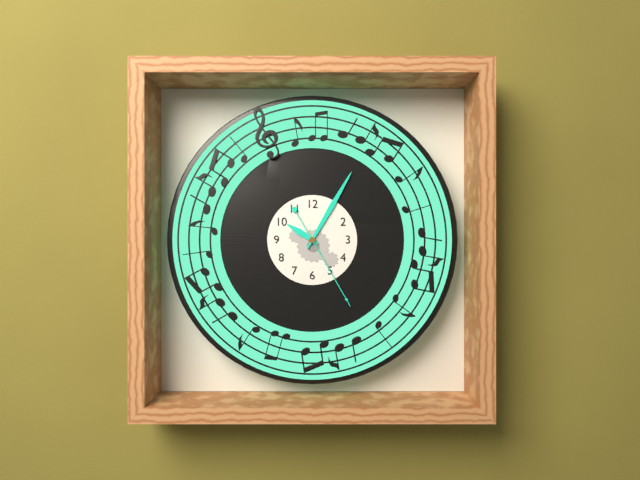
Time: 10h05m25s
